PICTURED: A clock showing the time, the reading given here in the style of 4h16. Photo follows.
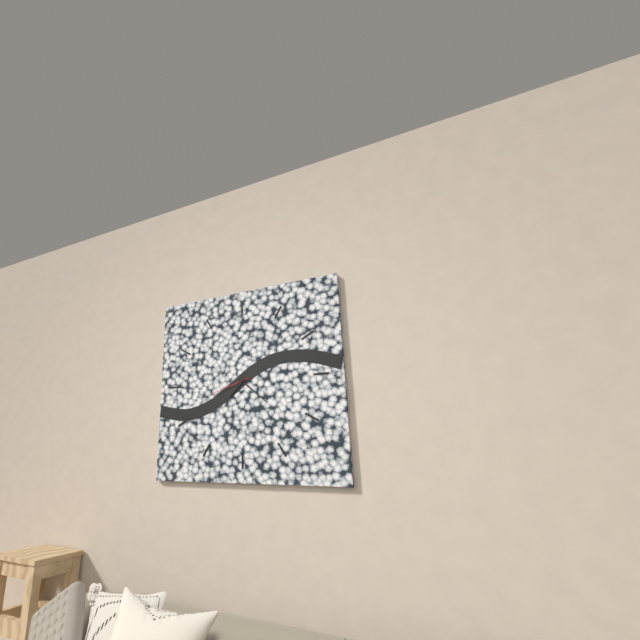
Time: 7h22
